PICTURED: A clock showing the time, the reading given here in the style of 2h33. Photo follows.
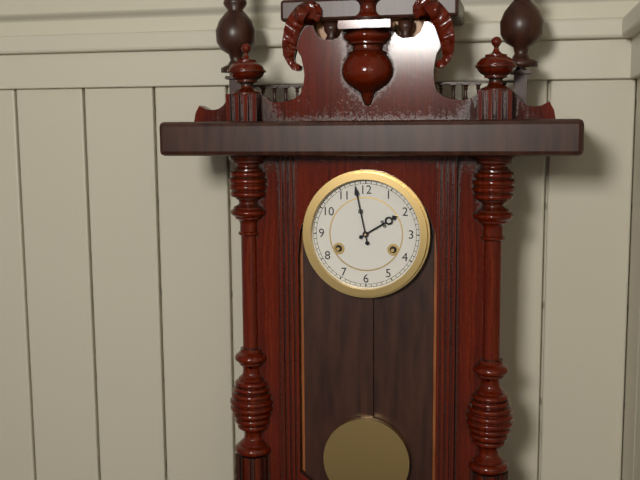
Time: 1h58
